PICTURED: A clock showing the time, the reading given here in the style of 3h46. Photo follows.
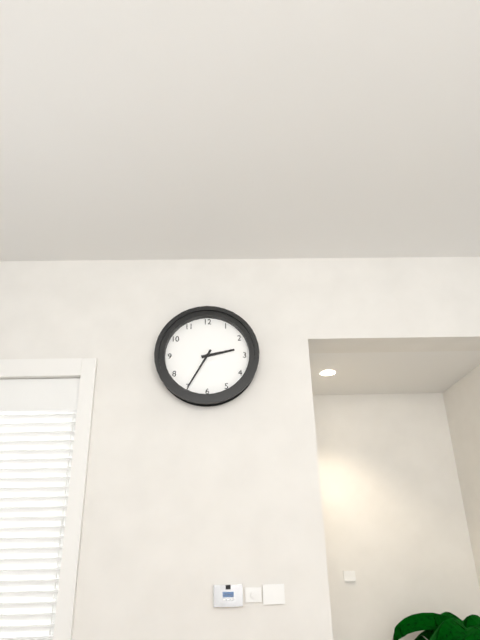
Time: 2h35
